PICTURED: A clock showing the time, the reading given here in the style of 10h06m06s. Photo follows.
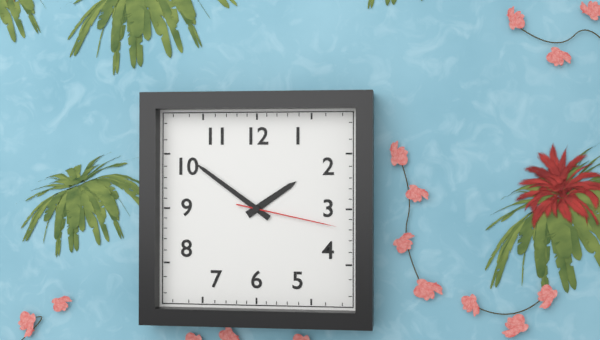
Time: 1h51m17s
